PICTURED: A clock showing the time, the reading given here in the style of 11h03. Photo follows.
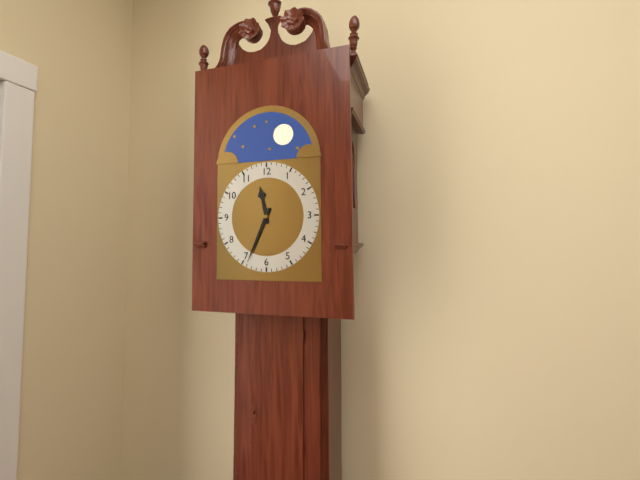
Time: 11h34
